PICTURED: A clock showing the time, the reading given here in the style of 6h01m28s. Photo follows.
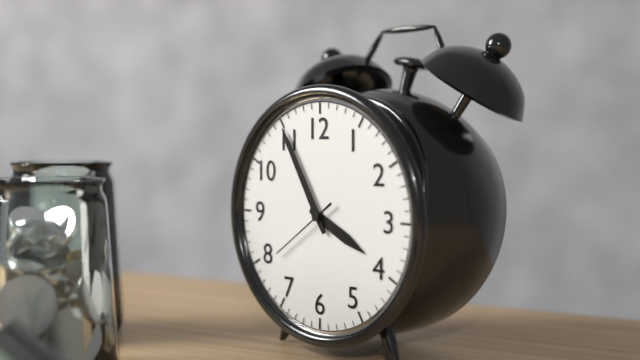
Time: 3h55m39s
